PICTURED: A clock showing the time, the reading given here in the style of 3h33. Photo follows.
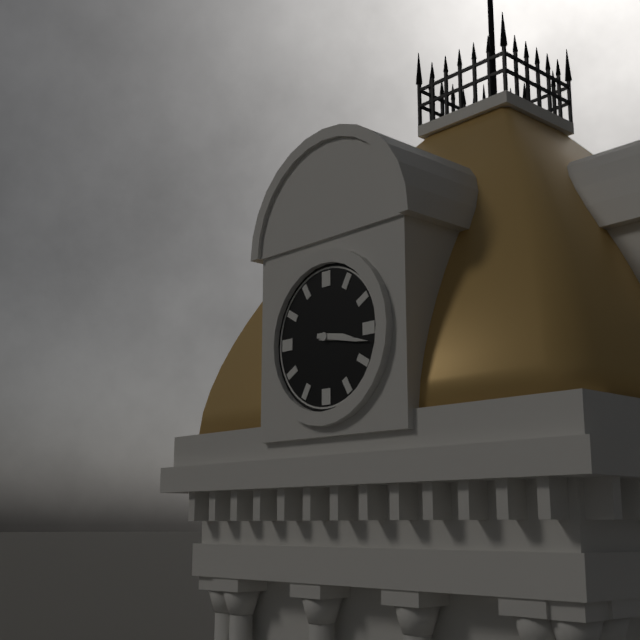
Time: 3h17
